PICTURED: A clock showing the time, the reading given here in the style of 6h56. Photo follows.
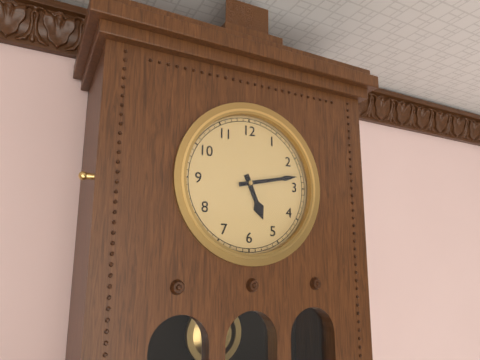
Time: 5h13
